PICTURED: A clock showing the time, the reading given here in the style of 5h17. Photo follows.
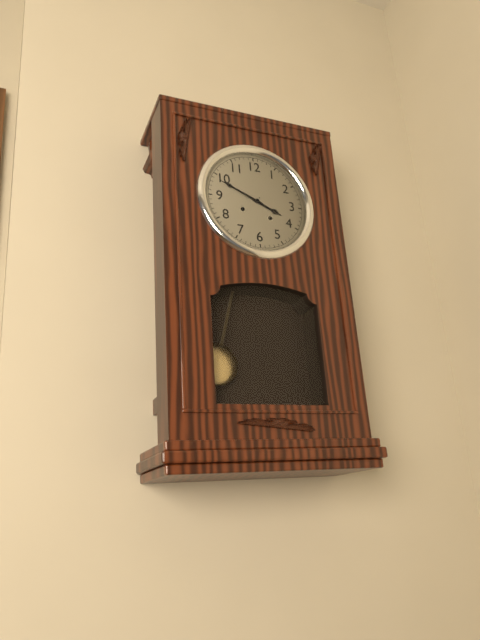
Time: 3h49
